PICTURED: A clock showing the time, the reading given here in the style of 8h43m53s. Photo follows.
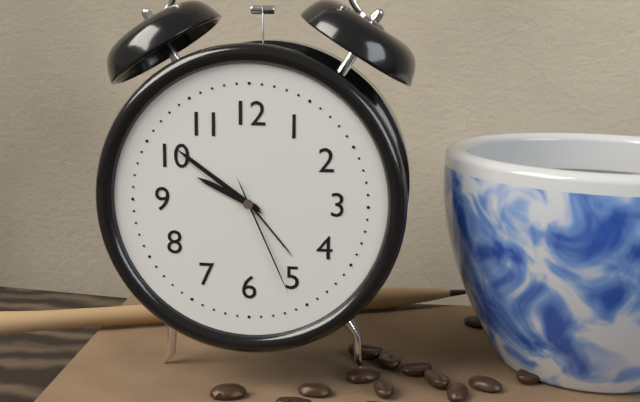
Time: 9h51m26s
